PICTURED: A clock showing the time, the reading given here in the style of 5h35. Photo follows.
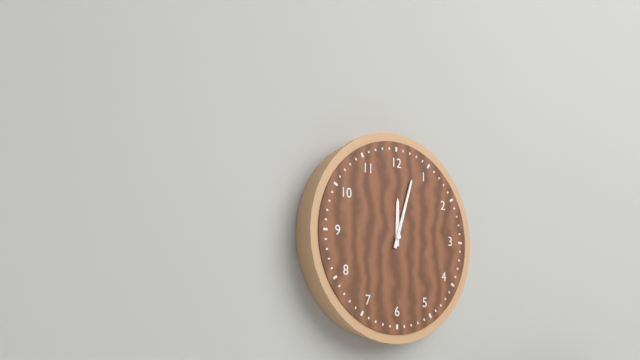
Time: 12h03
